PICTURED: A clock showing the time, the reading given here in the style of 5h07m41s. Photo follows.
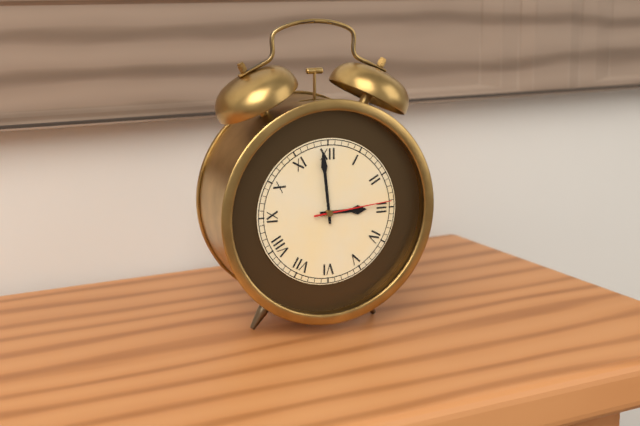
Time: 2h59m14s
